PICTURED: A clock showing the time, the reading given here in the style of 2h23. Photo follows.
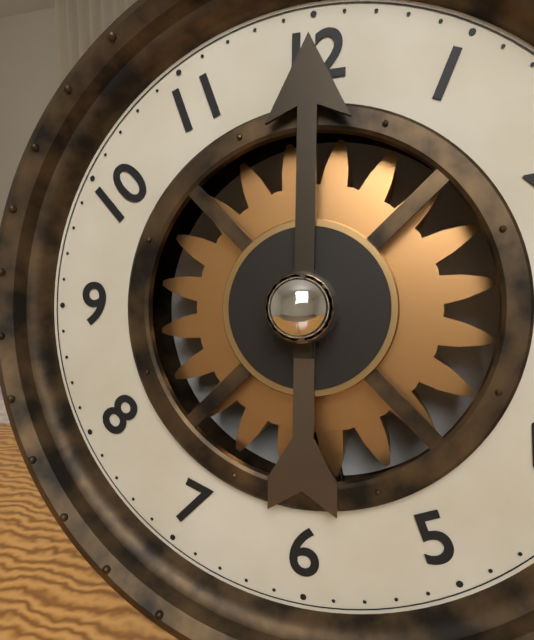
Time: 6h00
